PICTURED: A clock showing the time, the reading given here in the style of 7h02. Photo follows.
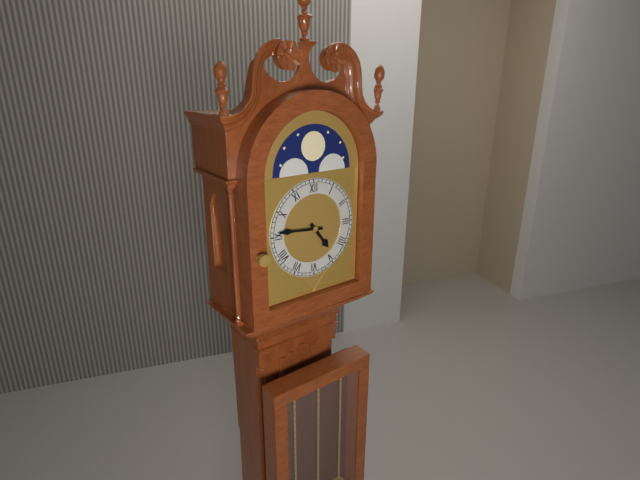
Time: 4h46
